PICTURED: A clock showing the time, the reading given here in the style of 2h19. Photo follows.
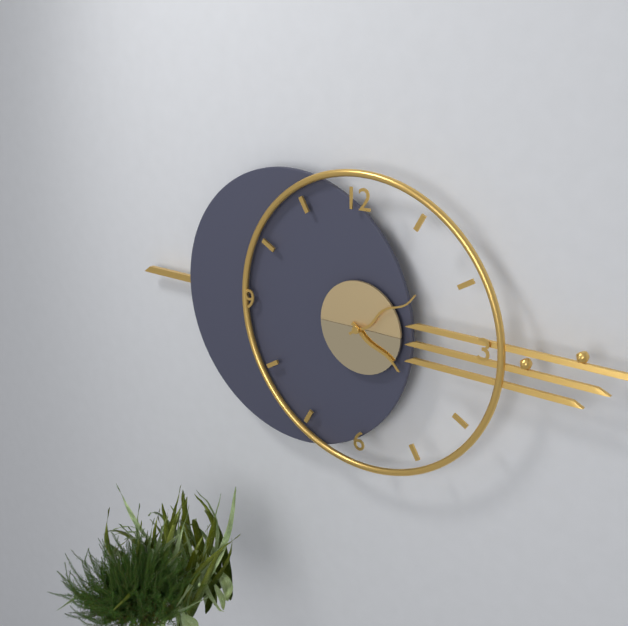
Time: 4h09
